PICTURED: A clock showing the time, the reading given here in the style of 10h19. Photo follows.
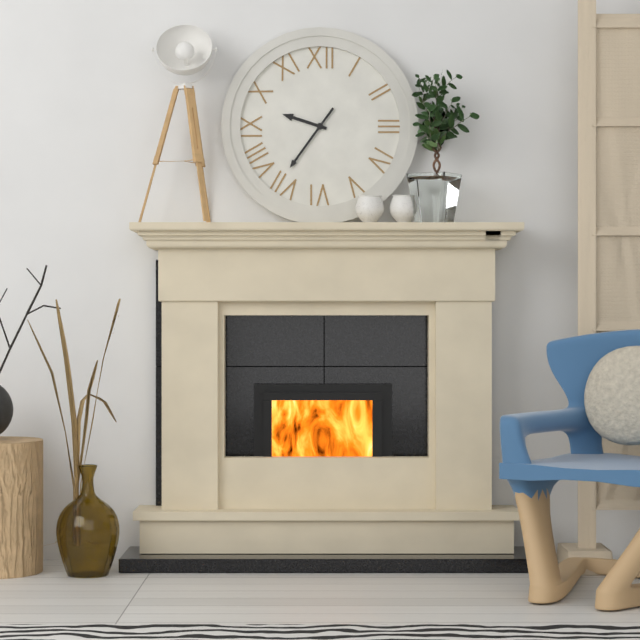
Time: 9h36
